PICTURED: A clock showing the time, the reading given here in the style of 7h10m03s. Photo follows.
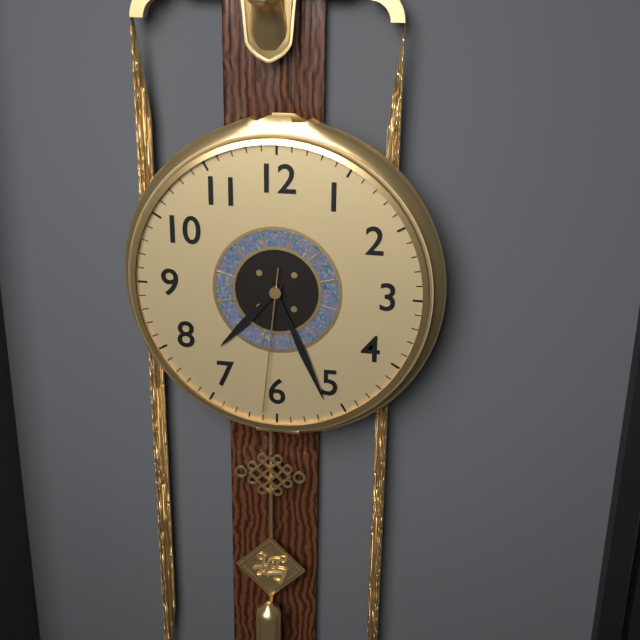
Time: 7h26m31s
